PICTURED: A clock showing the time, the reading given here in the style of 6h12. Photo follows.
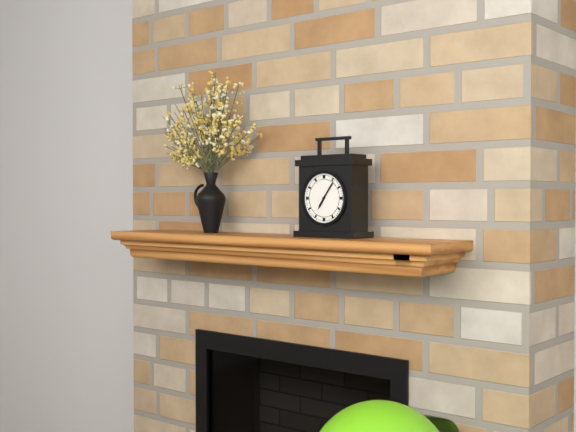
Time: 7h06
